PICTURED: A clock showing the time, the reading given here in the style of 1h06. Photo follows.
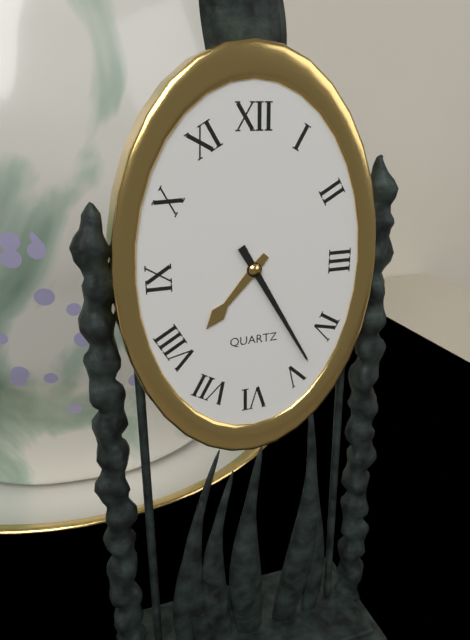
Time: 7h25
